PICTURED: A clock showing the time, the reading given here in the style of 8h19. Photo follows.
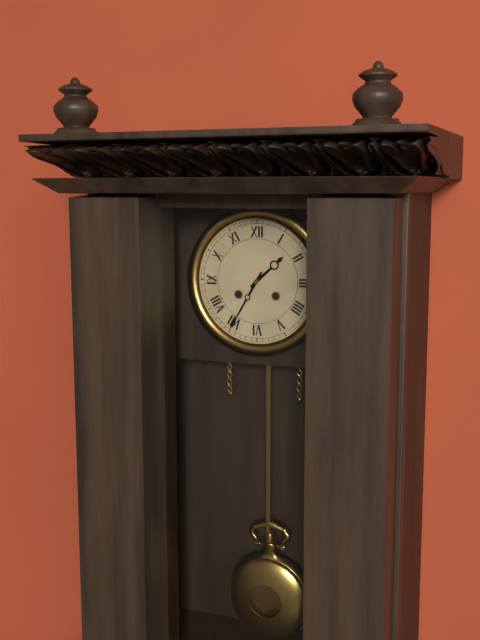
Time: 1h35
